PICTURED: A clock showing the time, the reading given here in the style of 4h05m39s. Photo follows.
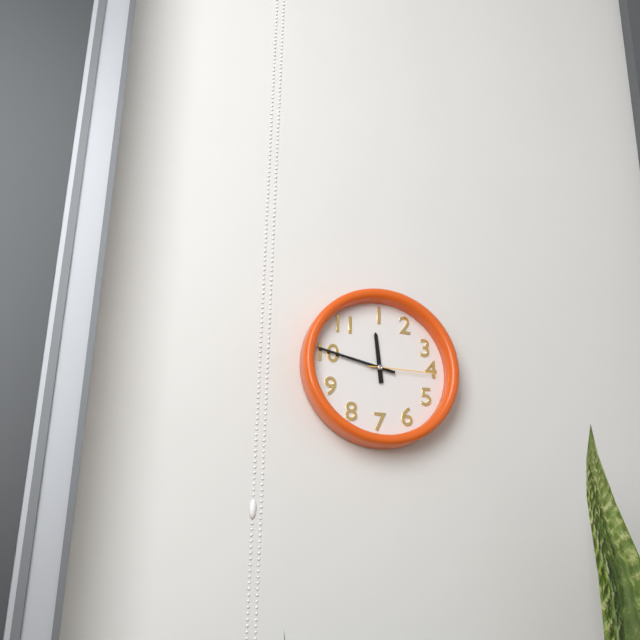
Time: 11h47m15s
